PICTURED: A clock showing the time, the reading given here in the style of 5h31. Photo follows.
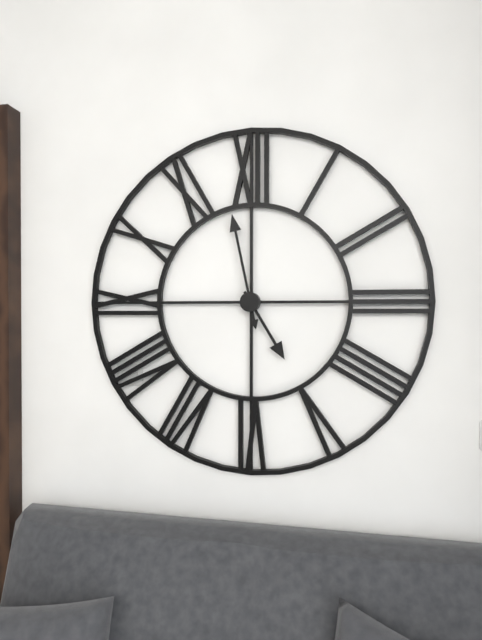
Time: 4h58
